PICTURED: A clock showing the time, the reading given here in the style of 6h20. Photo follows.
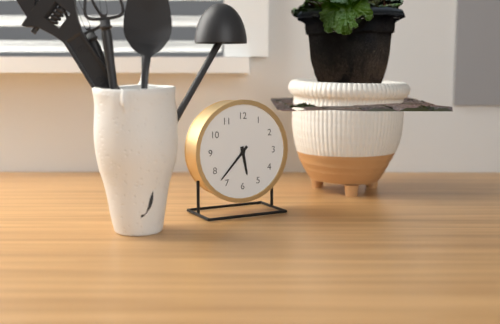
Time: 5h37
